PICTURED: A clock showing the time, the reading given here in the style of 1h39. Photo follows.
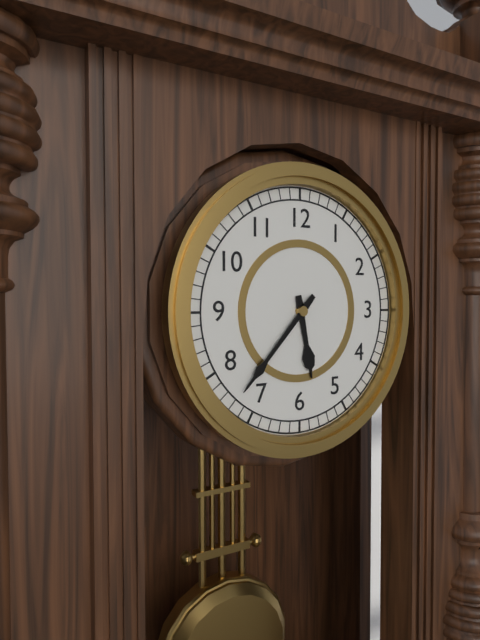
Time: 5h37
